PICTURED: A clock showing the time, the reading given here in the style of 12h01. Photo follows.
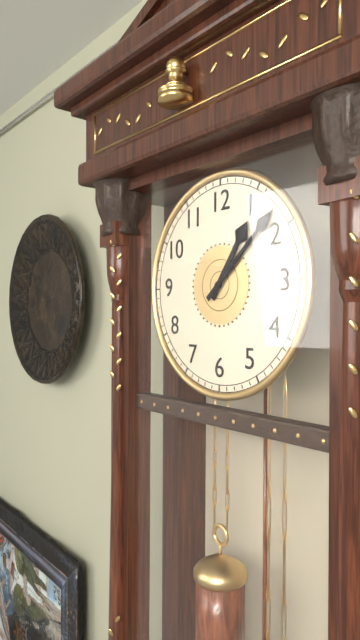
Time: 1h08
